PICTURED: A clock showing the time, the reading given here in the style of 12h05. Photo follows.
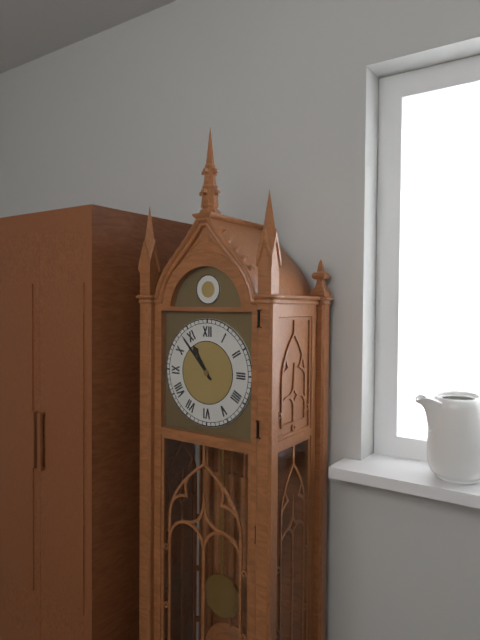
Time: 10h53
